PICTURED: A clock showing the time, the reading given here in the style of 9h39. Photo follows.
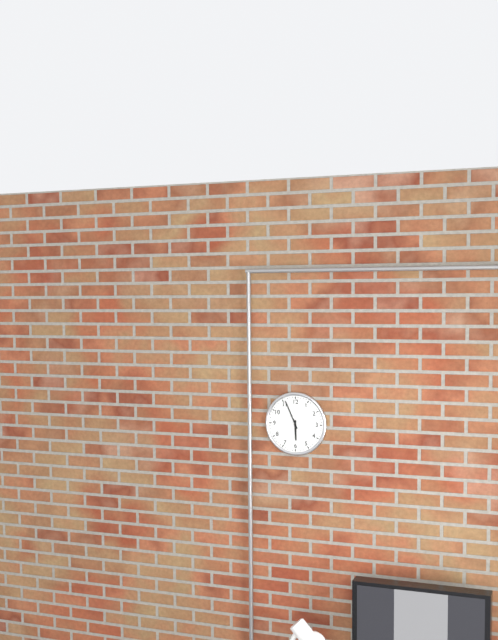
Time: 5h56
